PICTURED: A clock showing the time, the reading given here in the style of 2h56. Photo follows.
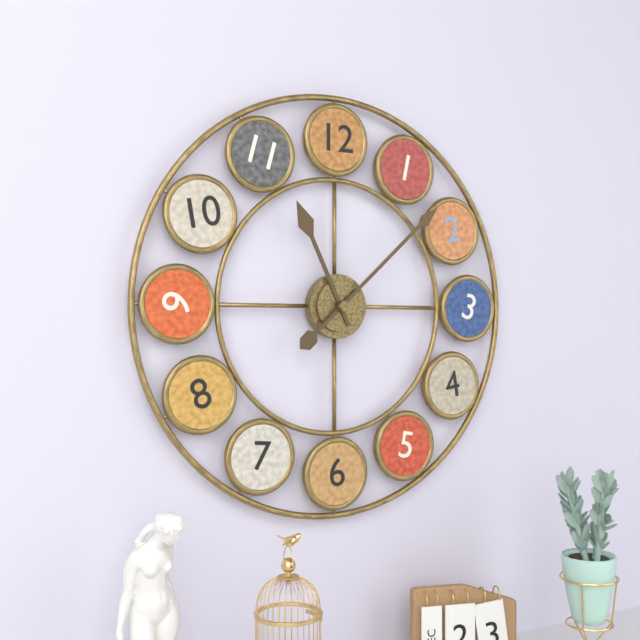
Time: 11h08
